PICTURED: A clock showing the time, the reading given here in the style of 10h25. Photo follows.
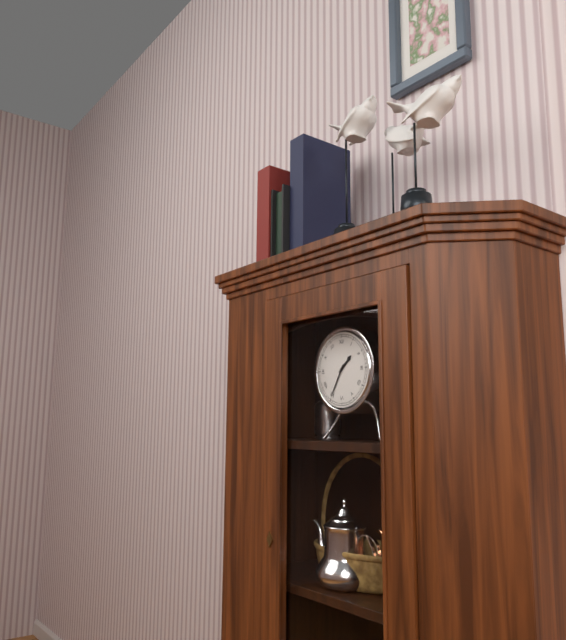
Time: 1h35
